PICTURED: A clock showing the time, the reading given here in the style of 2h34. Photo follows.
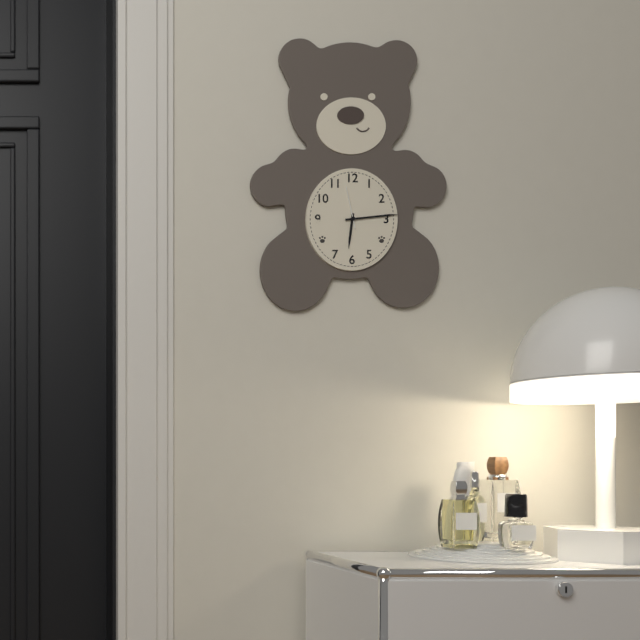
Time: 6h14
